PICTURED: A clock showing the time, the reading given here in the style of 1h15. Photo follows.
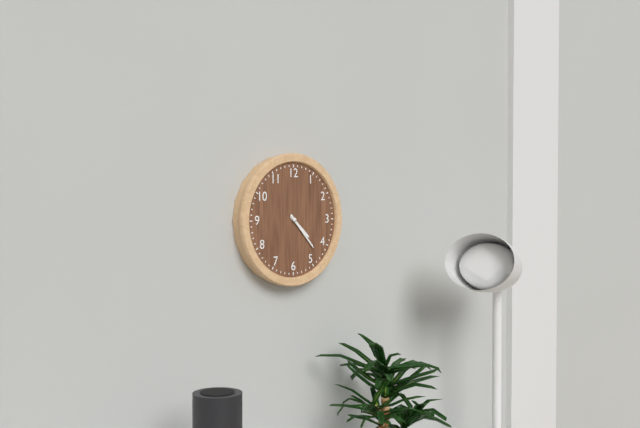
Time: 4h23
